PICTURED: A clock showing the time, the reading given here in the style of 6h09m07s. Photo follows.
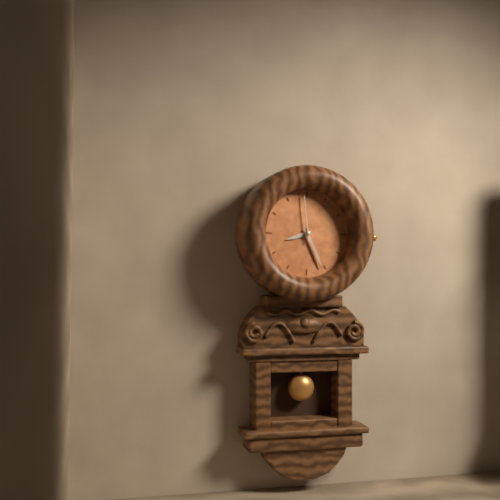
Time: 8h26m59s
